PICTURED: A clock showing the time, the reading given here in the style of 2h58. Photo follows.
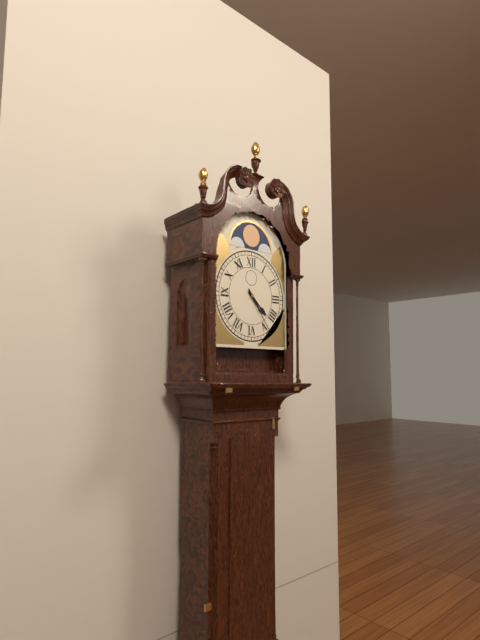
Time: 4h24
